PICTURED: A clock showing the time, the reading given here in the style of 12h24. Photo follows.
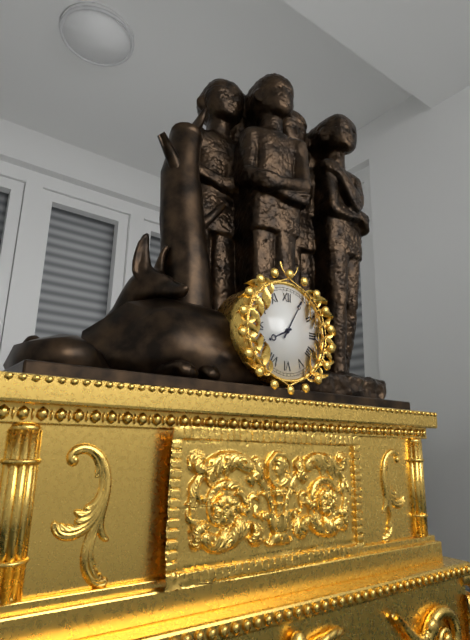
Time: 8h05
